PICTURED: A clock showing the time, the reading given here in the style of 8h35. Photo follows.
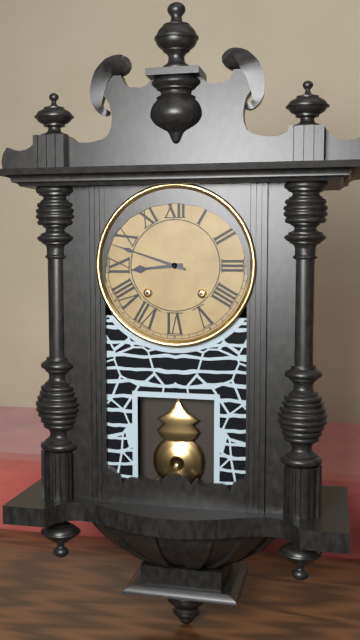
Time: 8h48
